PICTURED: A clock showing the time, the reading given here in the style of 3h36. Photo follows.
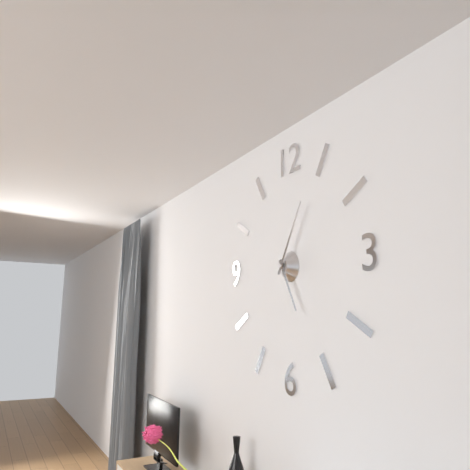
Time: 5h05
